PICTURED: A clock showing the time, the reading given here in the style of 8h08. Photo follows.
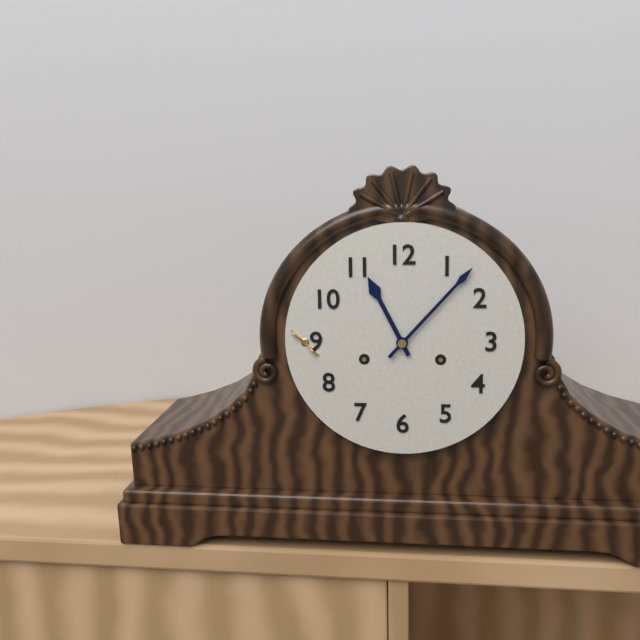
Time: 11h07
